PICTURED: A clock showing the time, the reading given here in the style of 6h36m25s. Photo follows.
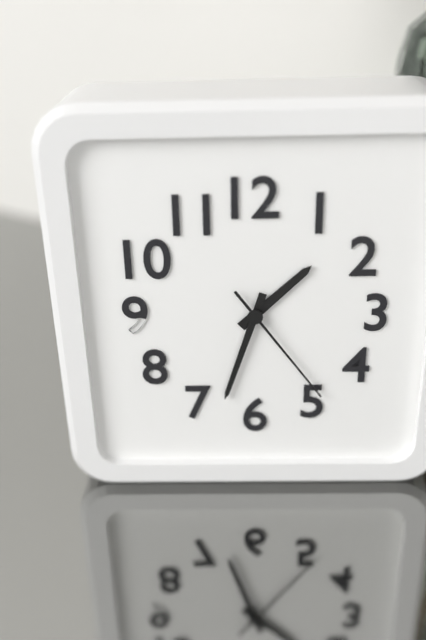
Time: 1h33m24s
